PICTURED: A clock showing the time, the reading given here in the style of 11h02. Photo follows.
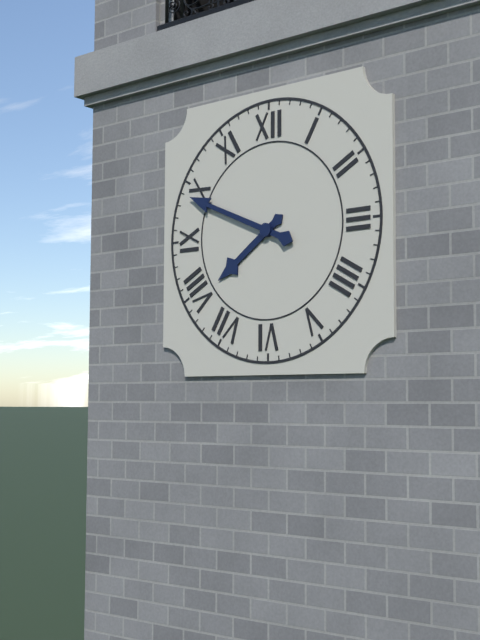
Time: 7h49
